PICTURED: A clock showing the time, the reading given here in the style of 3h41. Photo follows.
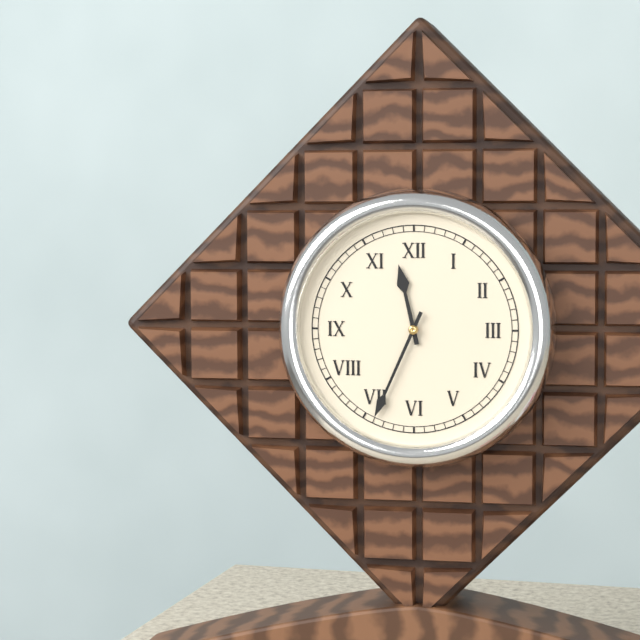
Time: 11h34
